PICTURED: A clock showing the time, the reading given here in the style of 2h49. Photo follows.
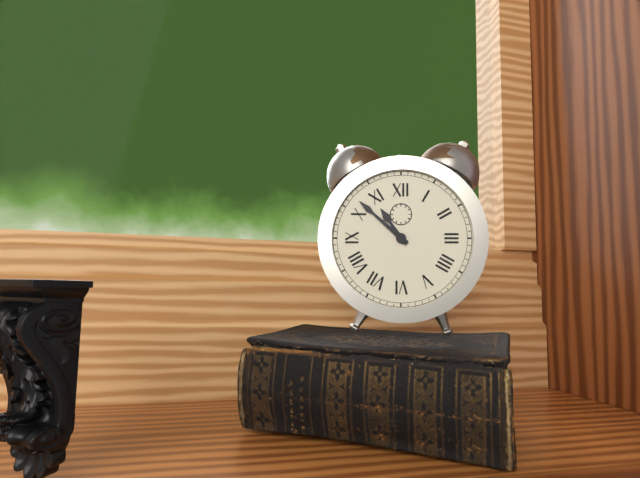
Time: 10h52
